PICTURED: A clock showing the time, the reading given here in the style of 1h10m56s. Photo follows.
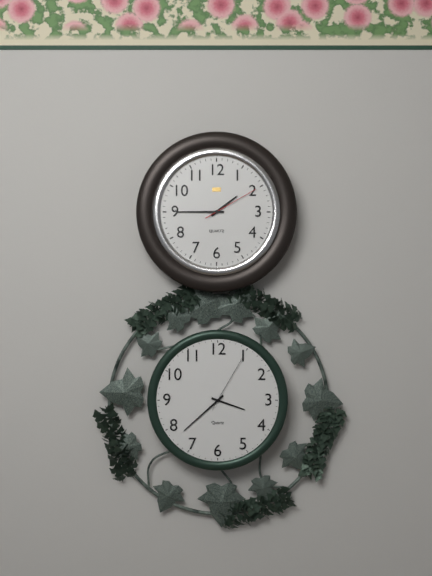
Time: 1h45m10s
